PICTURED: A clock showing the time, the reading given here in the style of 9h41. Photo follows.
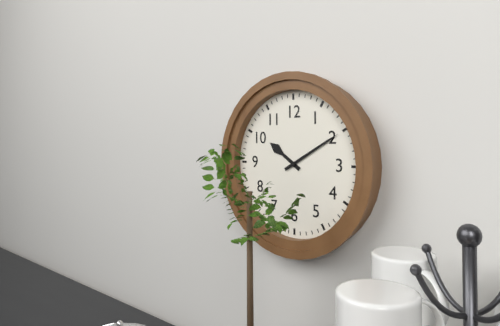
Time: 10h10
